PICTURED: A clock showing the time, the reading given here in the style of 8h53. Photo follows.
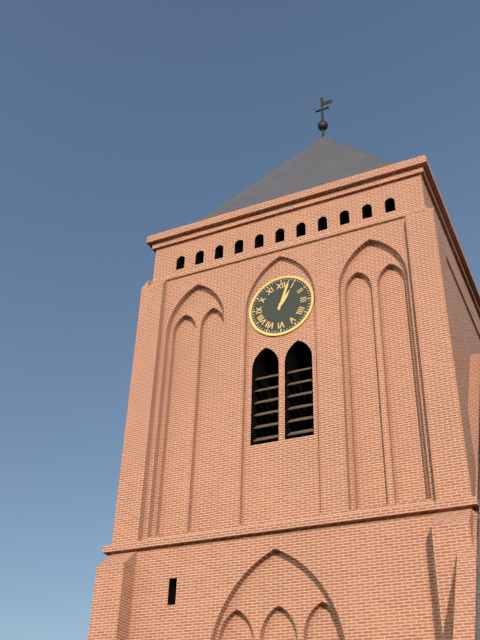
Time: 1h03
